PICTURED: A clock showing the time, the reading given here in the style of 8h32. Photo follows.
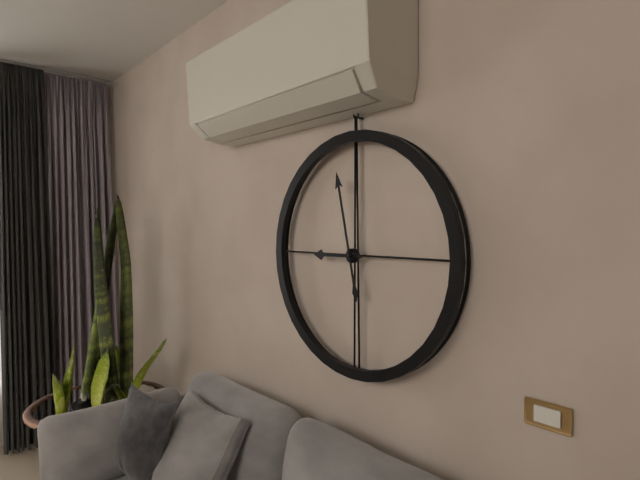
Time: 8h58
